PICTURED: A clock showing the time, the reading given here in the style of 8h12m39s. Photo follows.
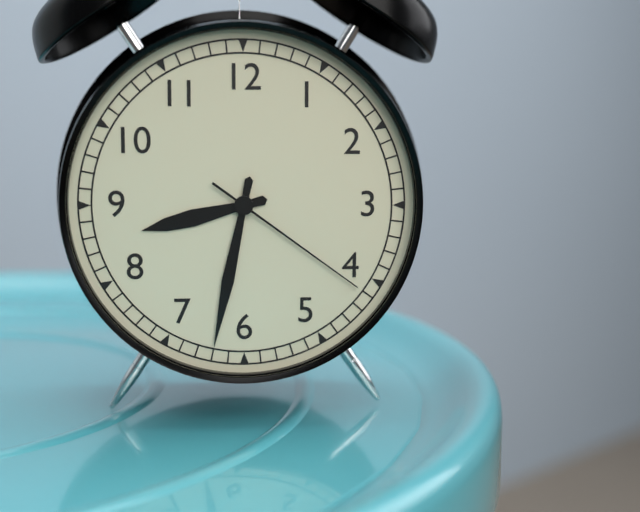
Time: 8h32m21s
